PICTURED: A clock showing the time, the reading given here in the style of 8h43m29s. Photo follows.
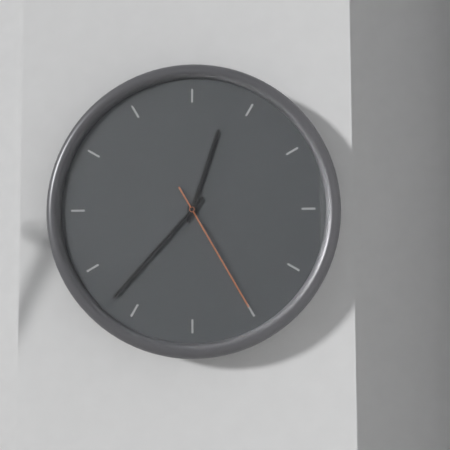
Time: 12h37m25s
